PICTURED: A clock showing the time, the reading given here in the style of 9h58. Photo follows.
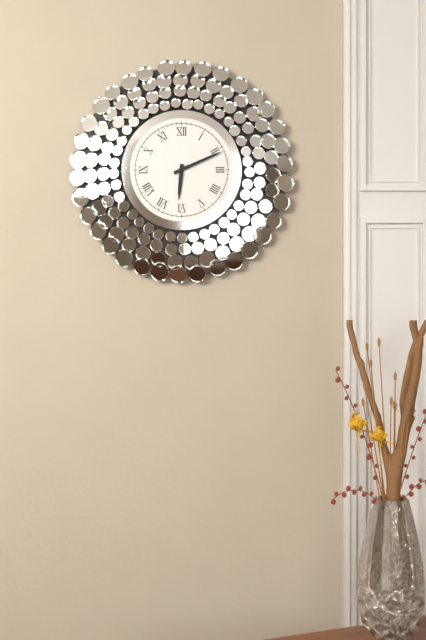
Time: 6h11
